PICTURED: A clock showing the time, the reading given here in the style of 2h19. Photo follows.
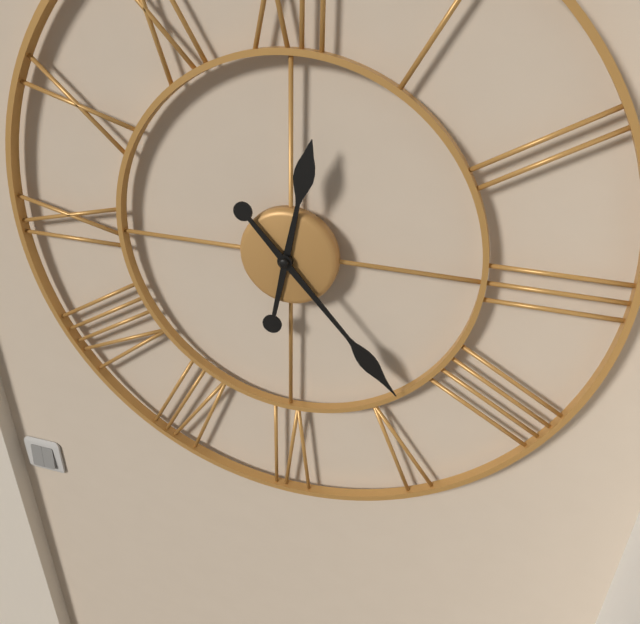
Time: 12h23
